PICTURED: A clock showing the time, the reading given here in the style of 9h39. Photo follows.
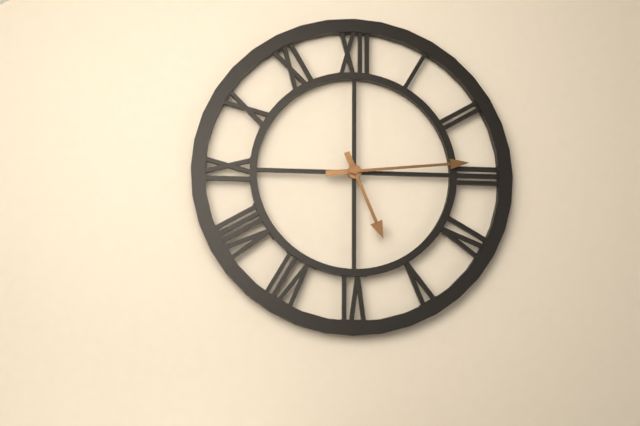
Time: 5h14
